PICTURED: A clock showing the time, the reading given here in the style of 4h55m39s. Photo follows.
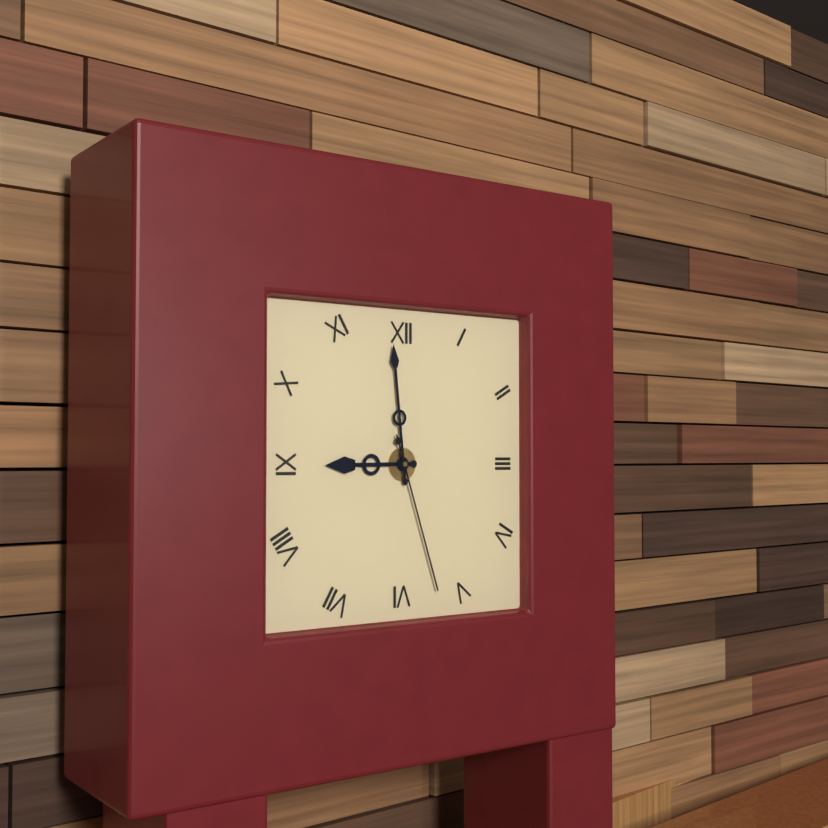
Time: 8h59m27s
